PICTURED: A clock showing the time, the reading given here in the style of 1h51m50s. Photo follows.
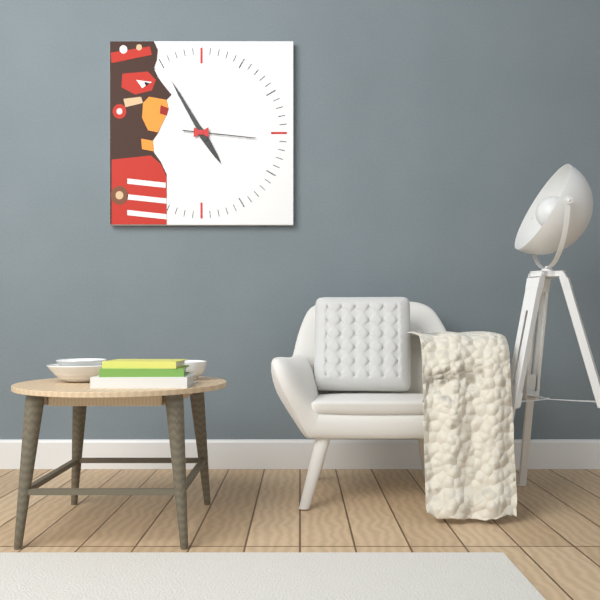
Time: 4h55m16s
